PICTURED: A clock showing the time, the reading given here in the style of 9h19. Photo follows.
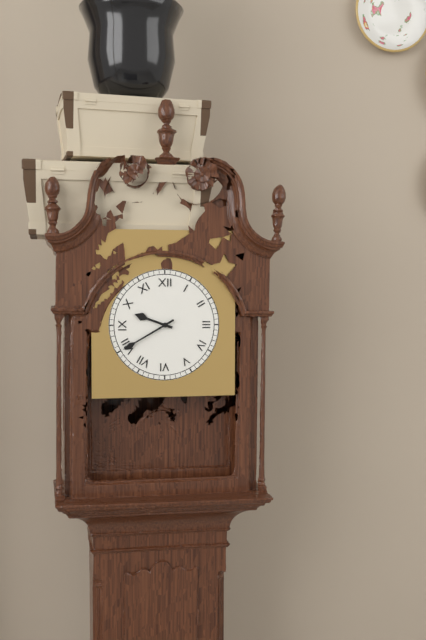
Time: 9h40
